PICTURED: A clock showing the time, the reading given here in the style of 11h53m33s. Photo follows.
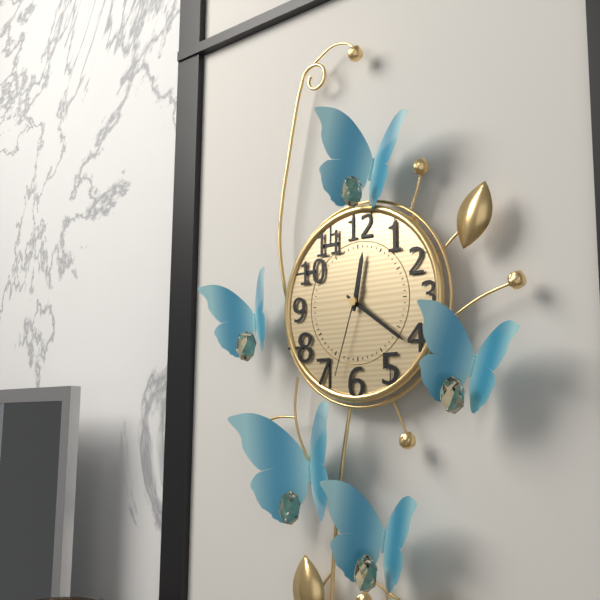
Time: 12h21m33s
